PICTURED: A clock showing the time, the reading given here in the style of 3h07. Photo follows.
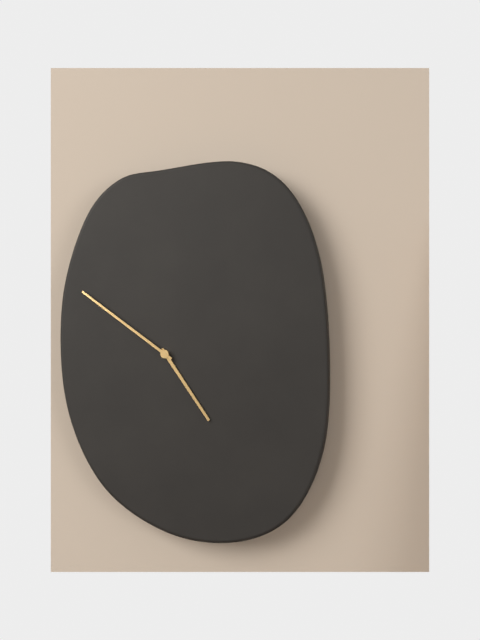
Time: 4h51
